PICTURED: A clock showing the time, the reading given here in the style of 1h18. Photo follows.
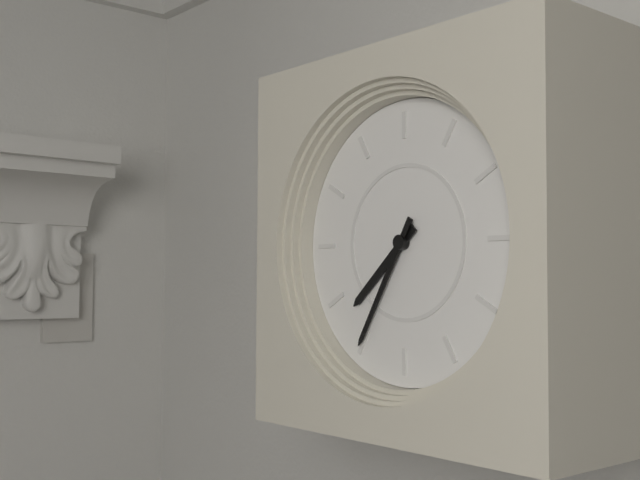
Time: 7h35
